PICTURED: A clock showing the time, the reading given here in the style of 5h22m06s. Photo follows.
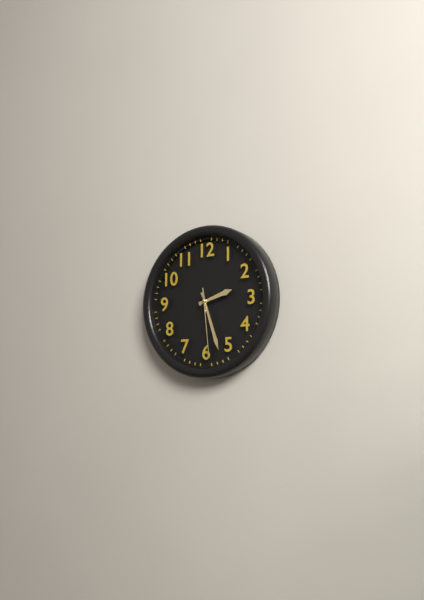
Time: 2h27m29s
